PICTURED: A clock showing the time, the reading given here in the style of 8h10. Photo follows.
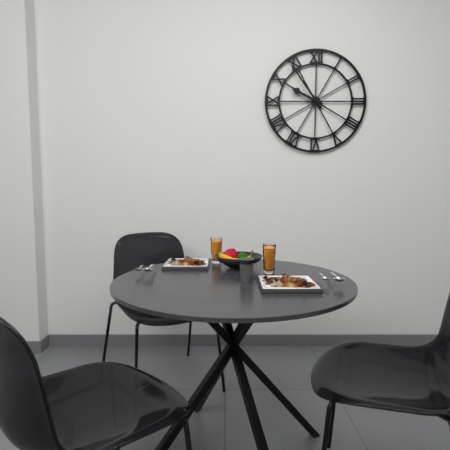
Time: 9h54
